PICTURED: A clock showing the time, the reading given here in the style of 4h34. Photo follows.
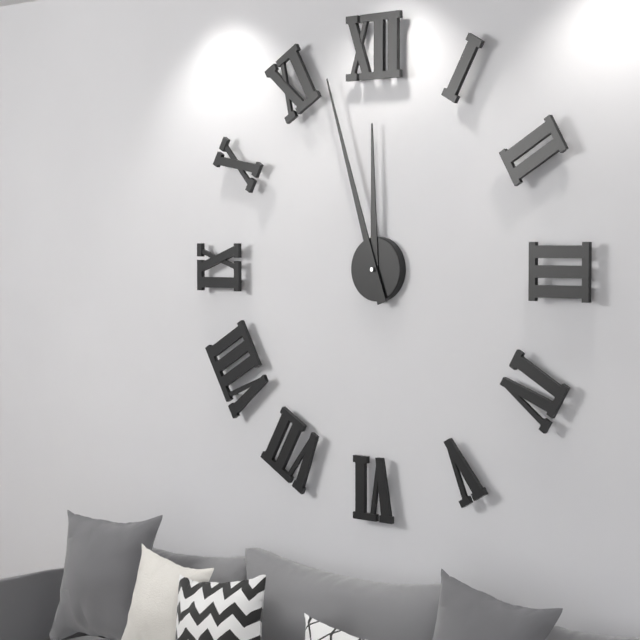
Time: 11h57
